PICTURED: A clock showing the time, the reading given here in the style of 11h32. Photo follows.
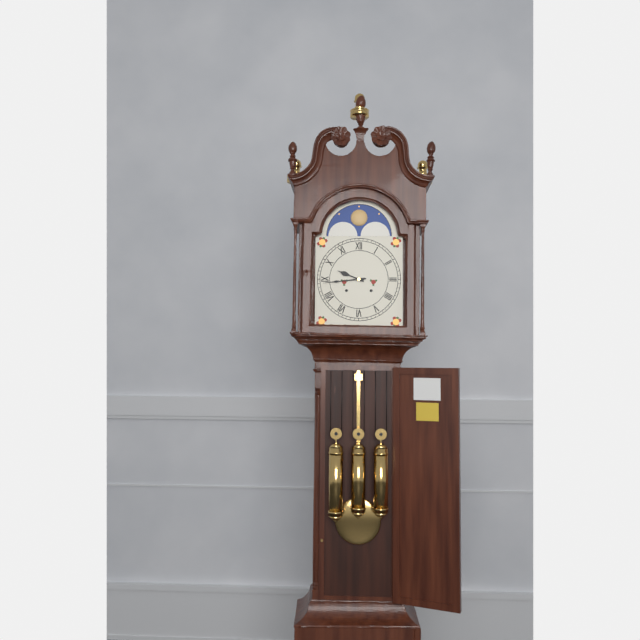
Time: 9h44
